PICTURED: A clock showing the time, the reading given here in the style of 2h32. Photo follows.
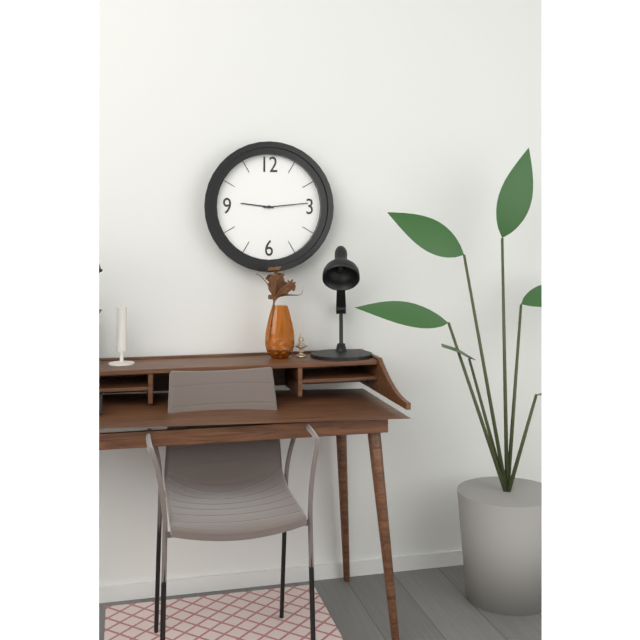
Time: 9h14
